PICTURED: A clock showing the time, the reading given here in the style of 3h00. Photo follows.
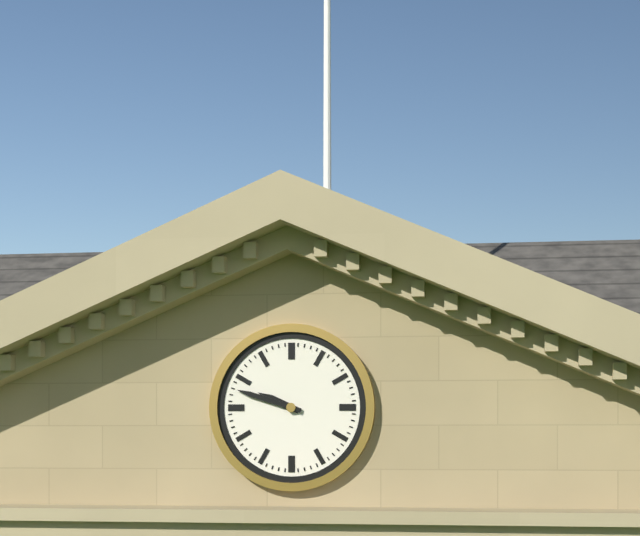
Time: 9h48
